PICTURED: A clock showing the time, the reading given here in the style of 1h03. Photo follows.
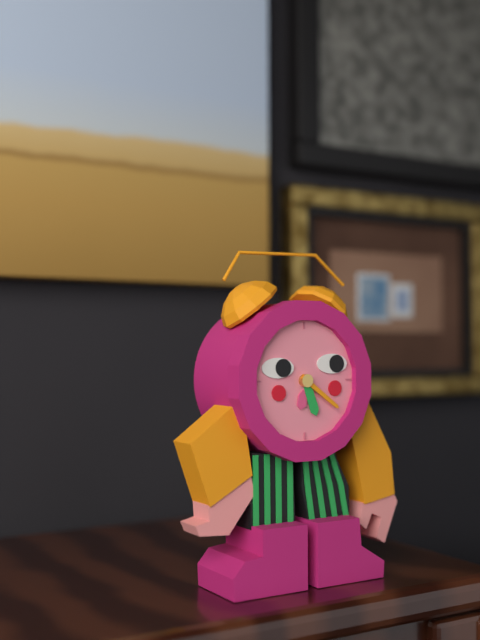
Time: 5h21
